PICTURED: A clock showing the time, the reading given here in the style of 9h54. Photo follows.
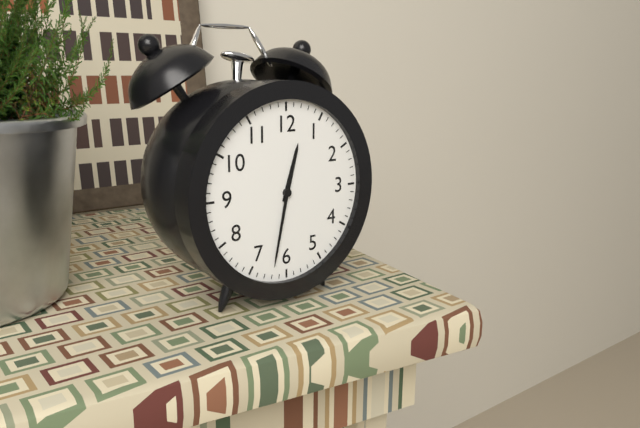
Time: 12h32
